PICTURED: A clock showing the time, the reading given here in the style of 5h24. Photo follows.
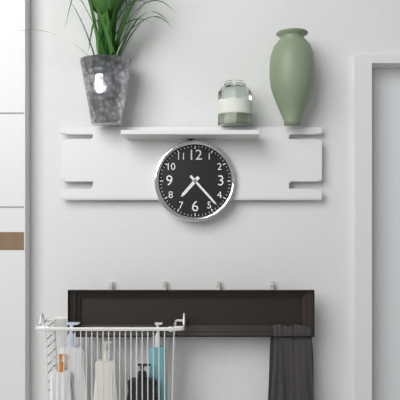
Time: 7h23
